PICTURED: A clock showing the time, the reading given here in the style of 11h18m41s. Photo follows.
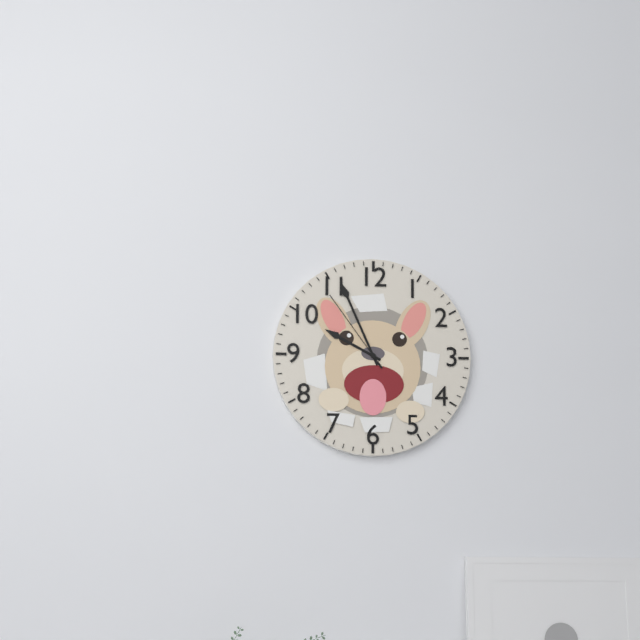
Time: 9h56m54s
